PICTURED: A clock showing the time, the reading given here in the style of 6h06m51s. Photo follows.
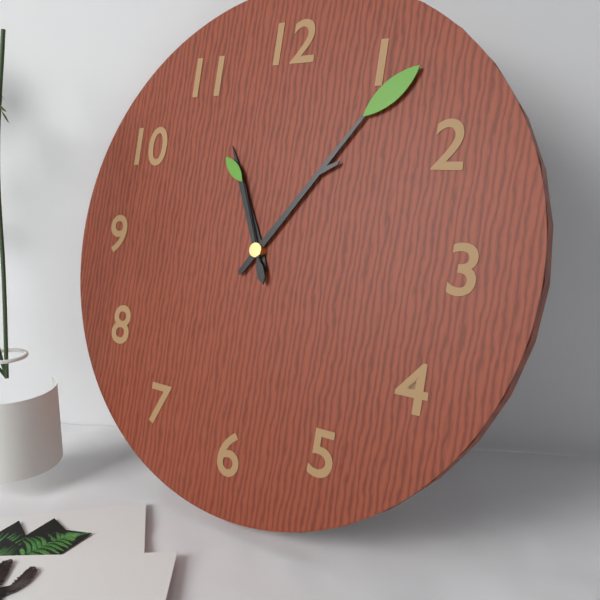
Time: 11h06m56s
